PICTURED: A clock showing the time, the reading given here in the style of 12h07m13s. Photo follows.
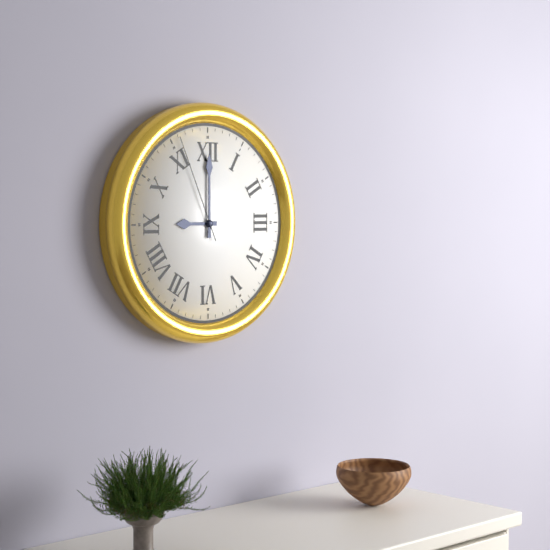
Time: 9h00m56s
